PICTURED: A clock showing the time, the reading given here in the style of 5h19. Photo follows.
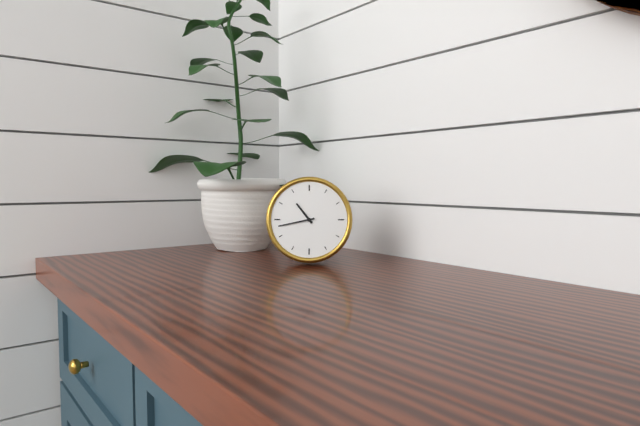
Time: 10h43
